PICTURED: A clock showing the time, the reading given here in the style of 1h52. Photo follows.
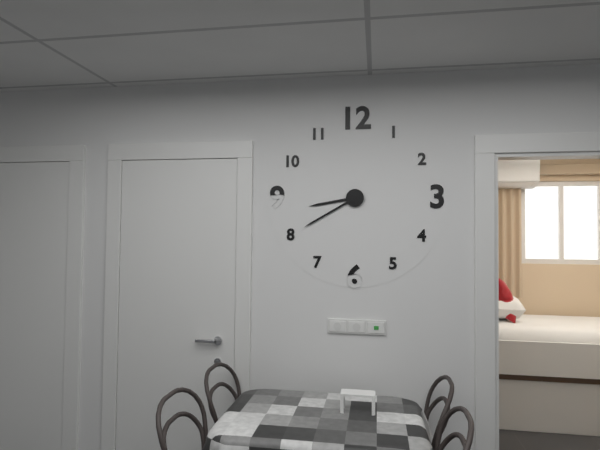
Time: 8h40
